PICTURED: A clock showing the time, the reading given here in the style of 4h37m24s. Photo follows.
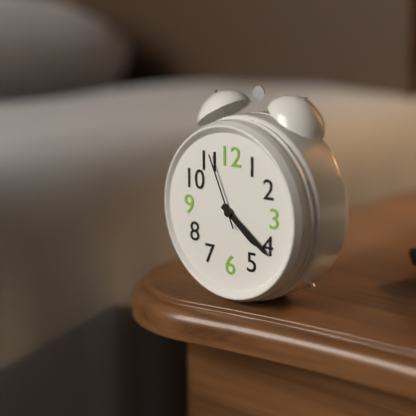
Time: 4h21m56s
